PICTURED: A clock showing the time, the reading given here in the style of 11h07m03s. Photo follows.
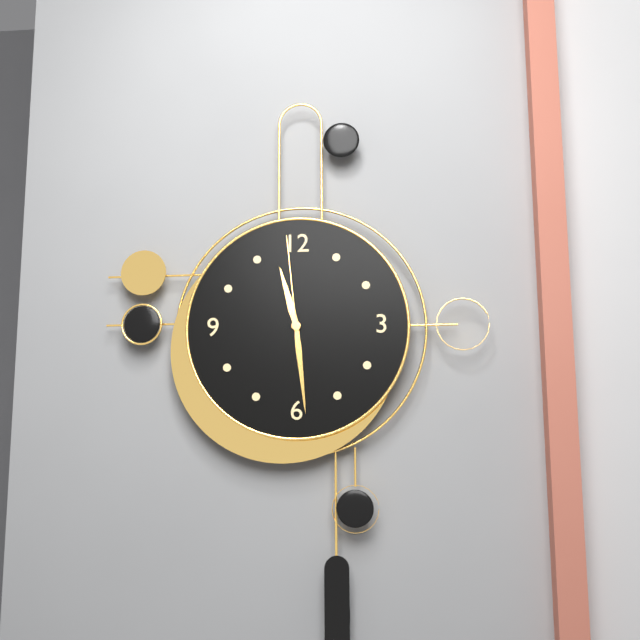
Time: 11h29m59s
